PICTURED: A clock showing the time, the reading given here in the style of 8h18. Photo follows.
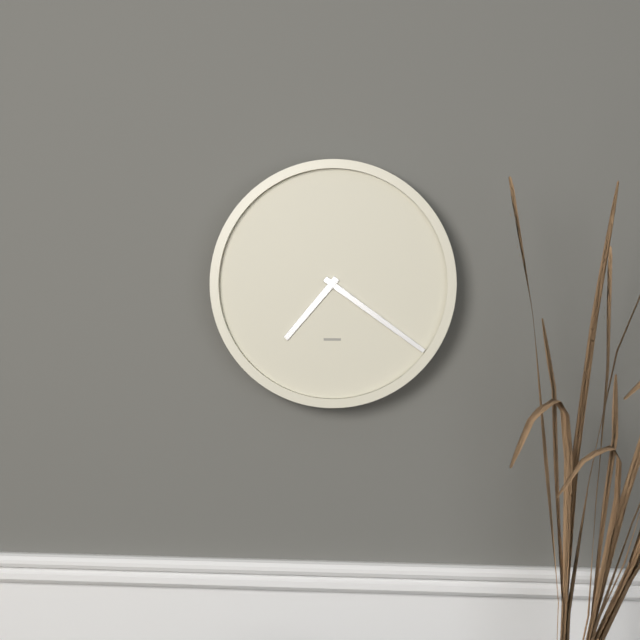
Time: 7h21
